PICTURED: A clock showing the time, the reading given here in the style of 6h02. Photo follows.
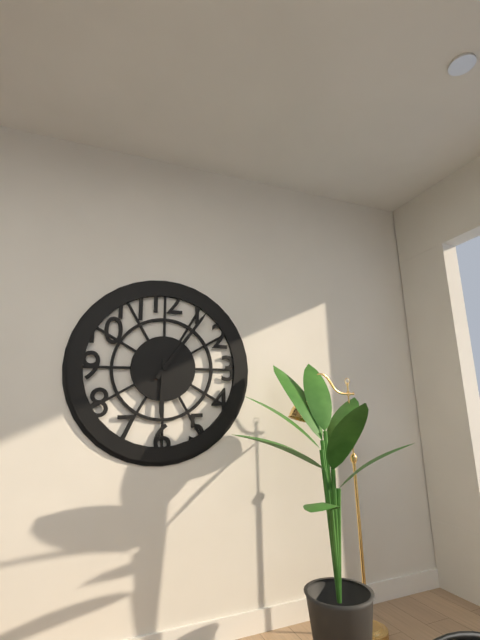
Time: 6h06
